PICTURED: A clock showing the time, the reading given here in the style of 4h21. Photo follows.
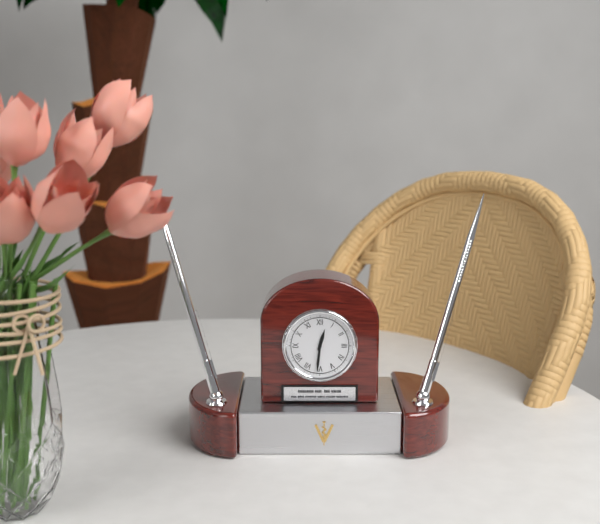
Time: 12h31
